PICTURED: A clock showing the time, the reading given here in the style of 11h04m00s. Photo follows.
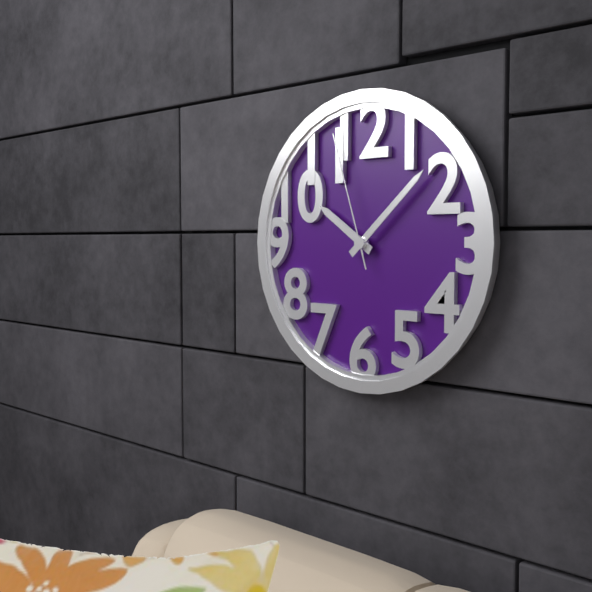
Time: 10h08m57s
